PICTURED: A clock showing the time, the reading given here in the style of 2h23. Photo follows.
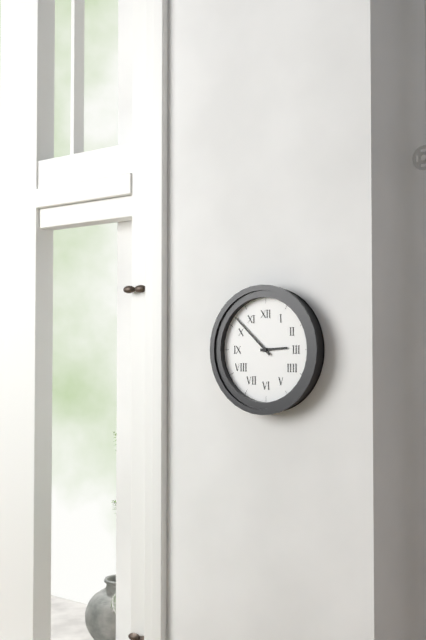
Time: 2h52
